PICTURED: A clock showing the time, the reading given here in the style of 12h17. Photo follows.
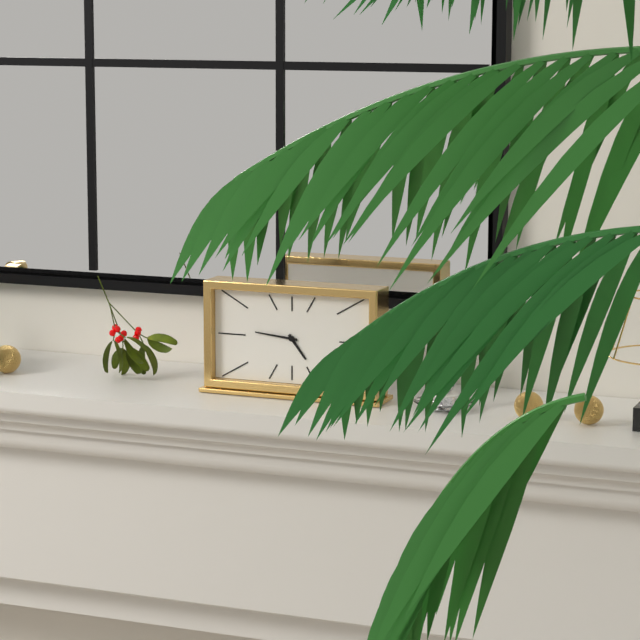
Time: 4h46
